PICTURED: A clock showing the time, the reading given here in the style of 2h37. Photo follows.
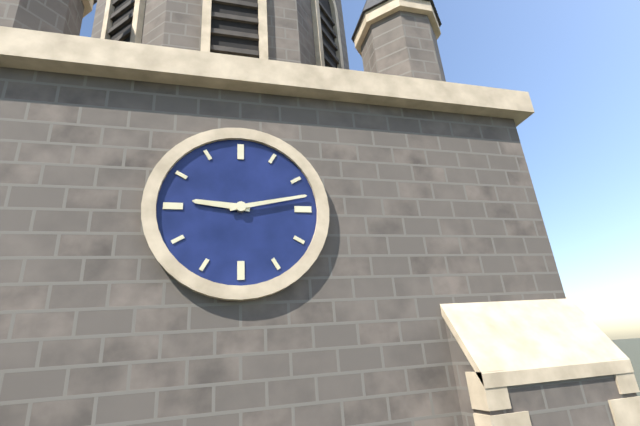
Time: 9h13
